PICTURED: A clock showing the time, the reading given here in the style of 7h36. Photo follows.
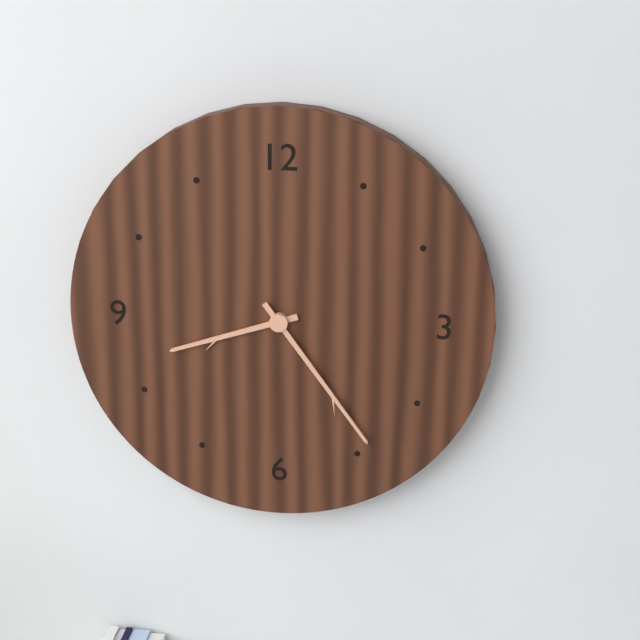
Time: 8h24
